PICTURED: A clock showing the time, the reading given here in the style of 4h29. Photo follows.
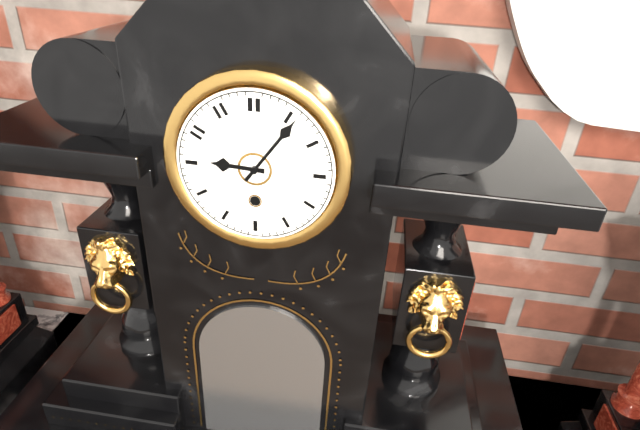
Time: 9h06
